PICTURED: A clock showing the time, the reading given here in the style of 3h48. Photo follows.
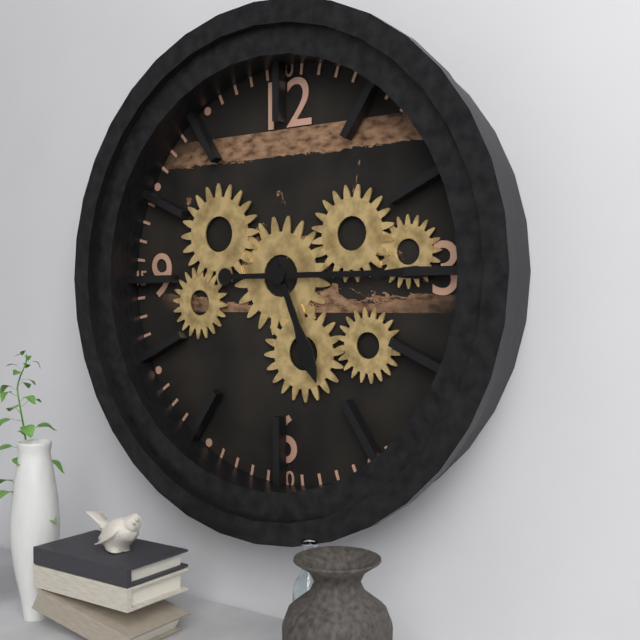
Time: 5h15
